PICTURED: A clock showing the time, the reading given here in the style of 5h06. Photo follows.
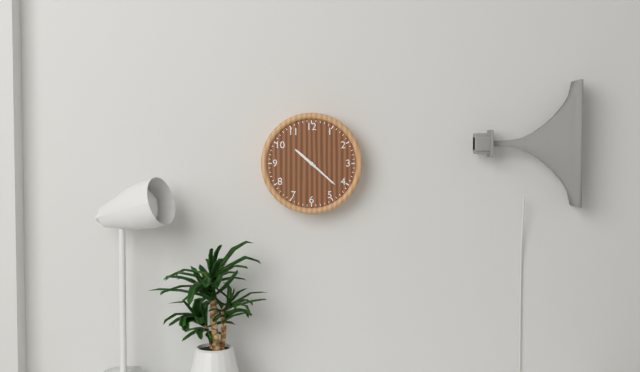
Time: 10h22
